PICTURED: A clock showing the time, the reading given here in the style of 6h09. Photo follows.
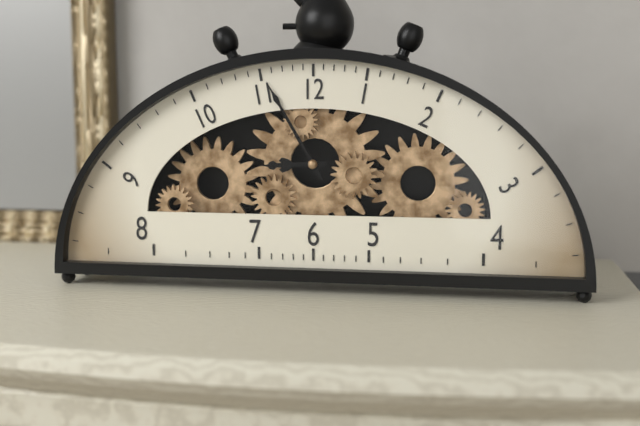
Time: 8h55
